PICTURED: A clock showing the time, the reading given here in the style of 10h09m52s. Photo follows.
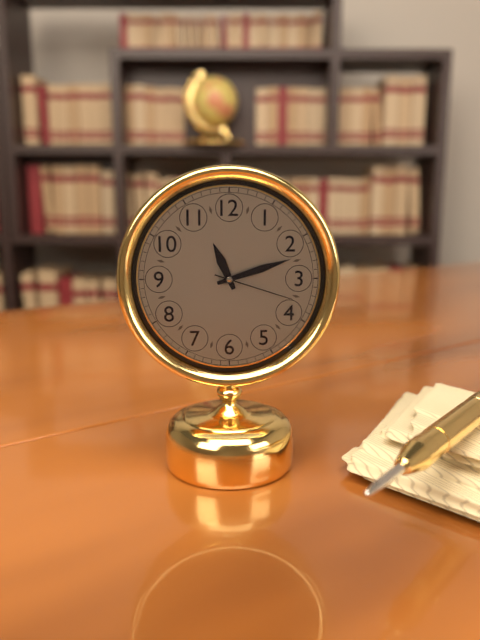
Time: 11h12m18s
